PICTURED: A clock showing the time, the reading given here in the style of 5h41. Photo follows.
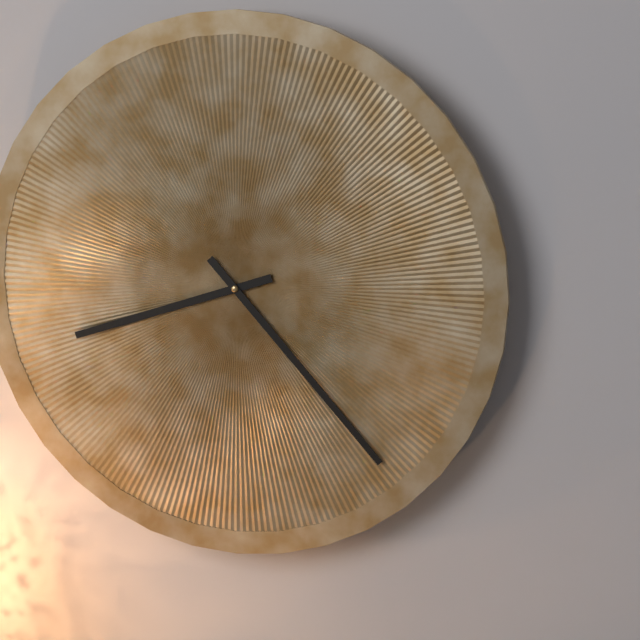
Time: 8h23
